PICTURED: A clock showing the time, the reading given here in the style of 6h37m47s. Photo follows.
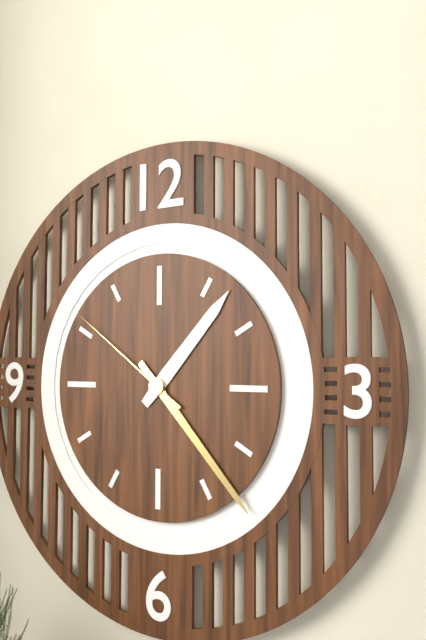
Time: 1h23m51s
